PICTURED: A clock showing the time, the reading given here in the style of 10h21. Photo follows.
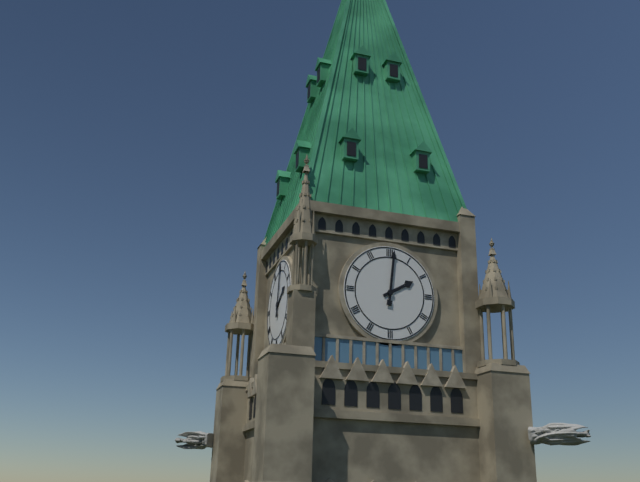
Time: 2h01
